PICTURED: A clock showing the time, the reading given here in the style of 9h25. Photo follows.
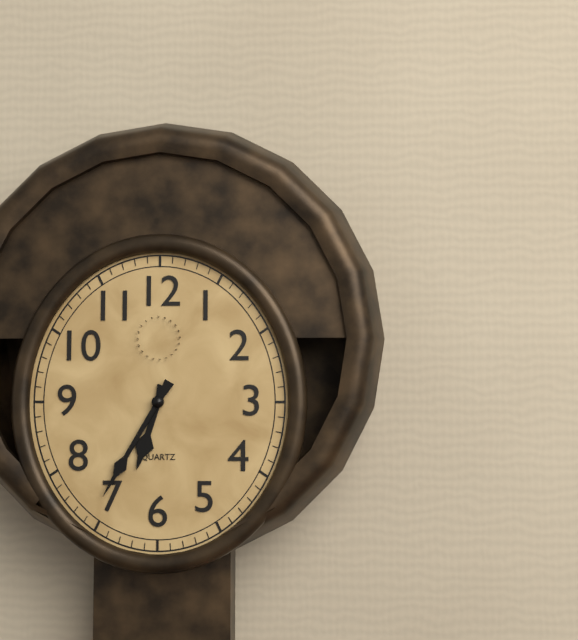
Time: 6h35
